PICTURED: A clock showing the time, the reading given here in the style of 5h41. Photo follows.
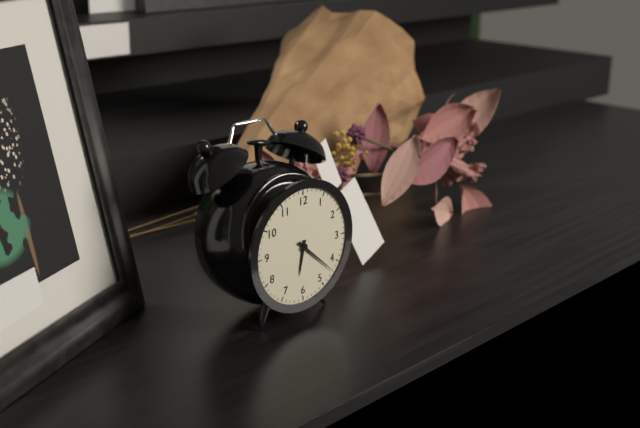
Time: 6h22
